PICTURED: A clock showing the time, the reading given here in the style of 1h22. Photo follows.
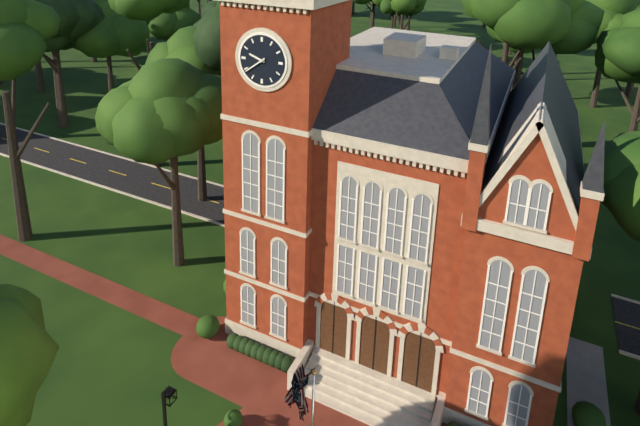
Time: 9h39
